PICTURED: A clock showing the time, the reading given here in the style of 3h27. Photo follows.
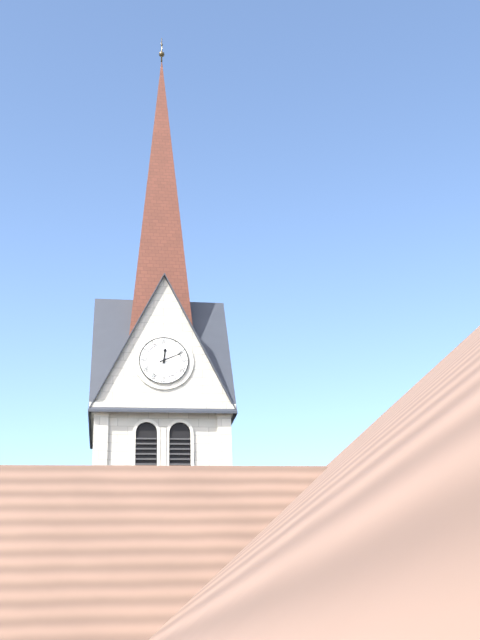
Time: 12h11
